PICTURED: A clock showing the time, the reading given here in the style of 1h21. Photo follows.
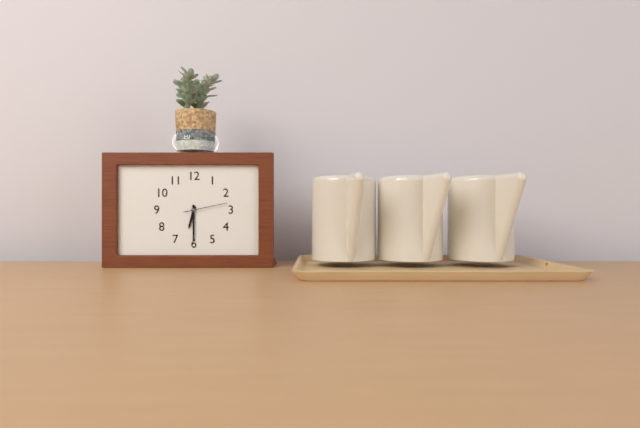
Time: 6h30
